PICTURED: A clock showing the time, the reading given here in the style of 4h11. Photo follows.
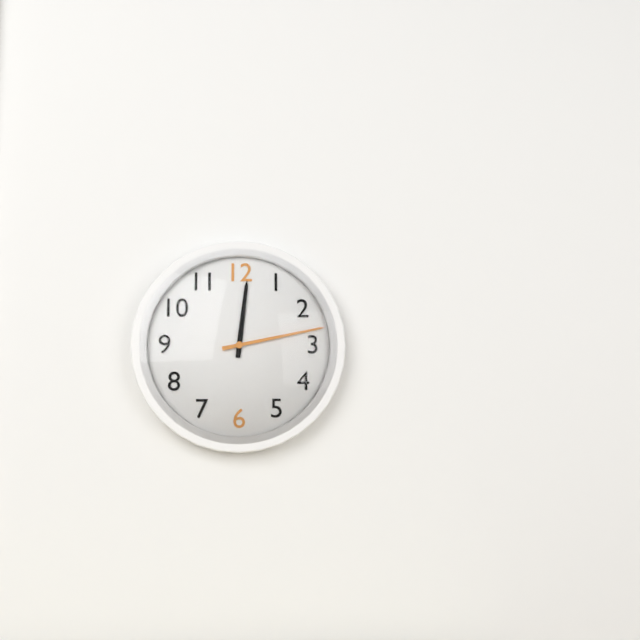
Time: 12h13
